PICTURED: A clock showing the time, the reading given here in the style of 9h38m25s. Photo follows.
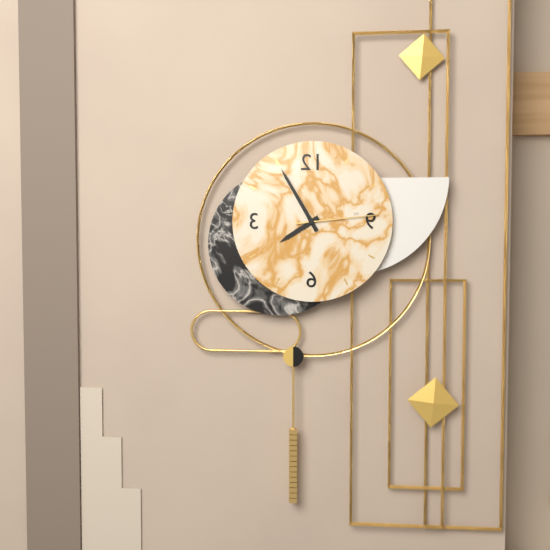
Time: 7h55m14s
